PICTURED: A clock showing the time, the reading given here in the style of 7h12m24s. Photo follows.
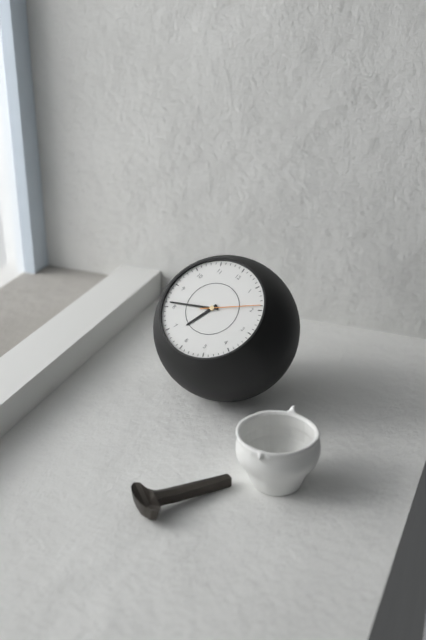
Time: 6h41m09s
